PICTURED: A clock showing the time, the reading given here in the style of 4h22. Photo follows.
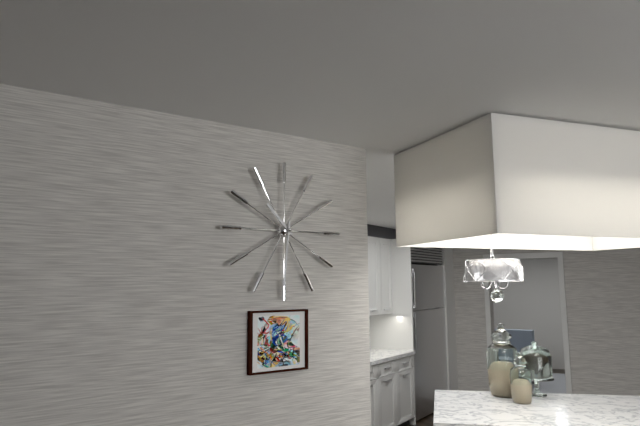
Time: 10h31
